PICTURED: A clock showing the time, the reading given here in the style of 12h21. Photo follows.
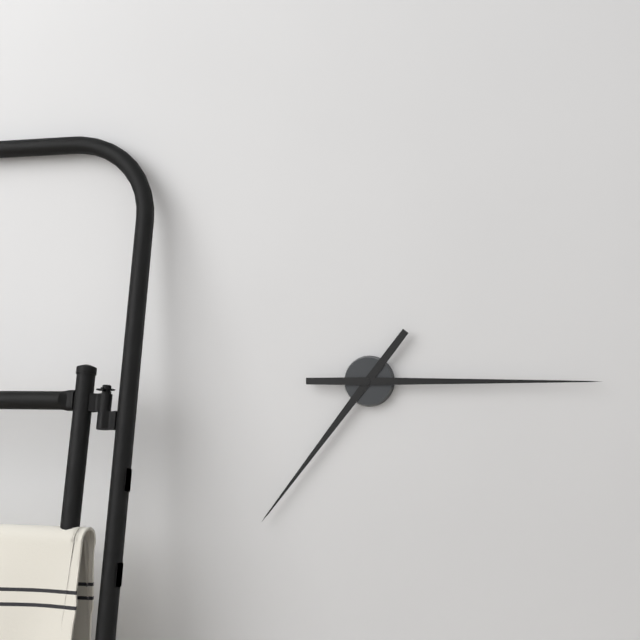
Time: 7h15
